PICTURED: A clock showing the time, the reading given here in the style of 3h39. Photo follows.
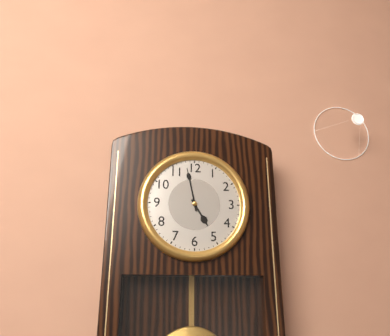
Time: 4h58
